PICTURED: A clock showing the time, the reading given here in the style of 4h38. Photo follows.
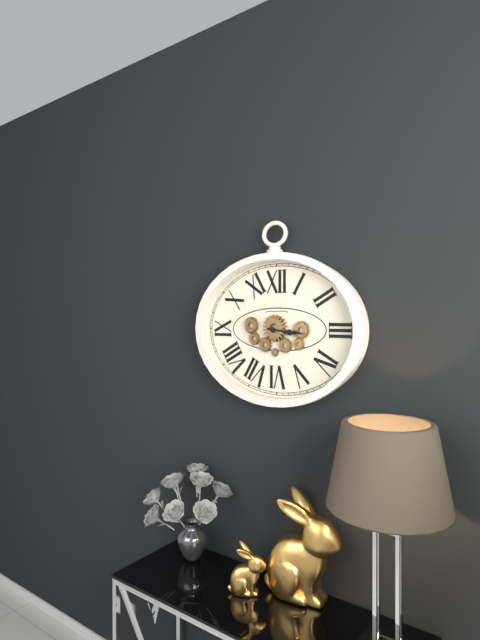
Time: 3h16
